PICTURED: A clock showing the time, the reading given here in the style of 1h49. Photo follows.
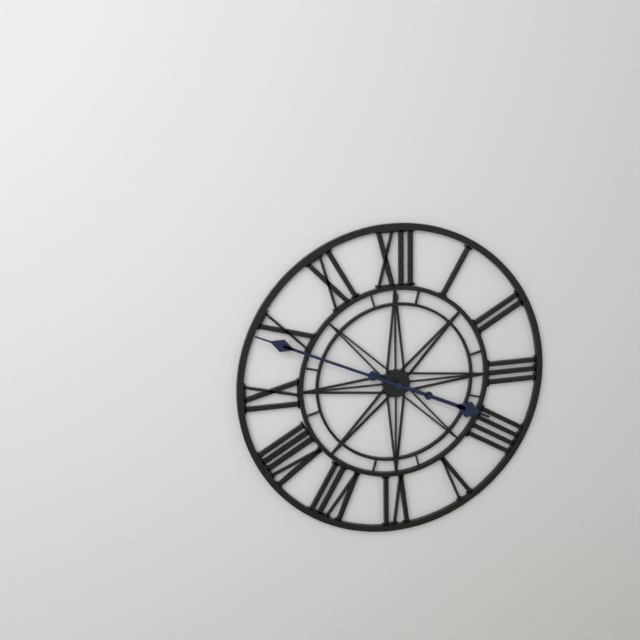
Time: 3h49
